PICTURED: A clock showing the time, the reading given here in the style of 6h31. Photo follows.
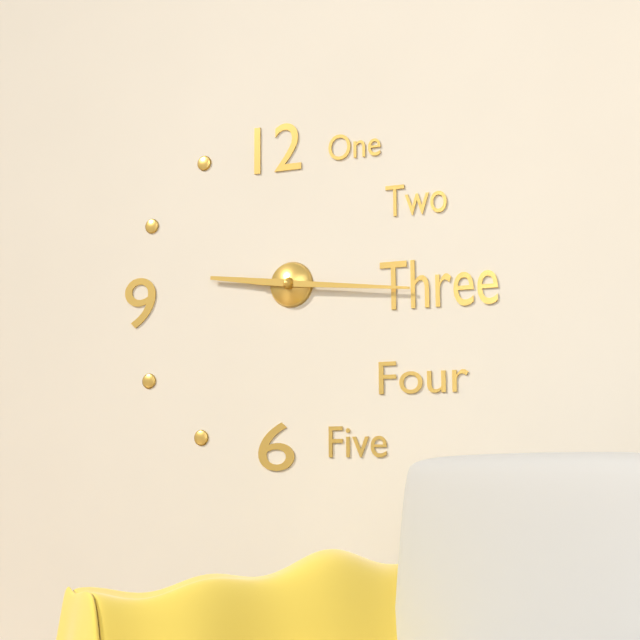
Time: 9h16
